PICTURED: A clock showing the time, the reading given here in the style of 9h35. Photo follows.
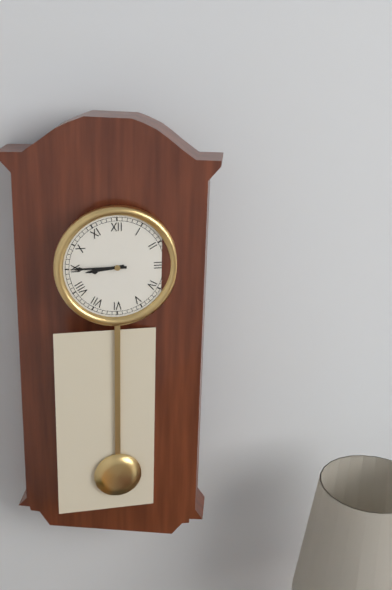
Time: 8h45
